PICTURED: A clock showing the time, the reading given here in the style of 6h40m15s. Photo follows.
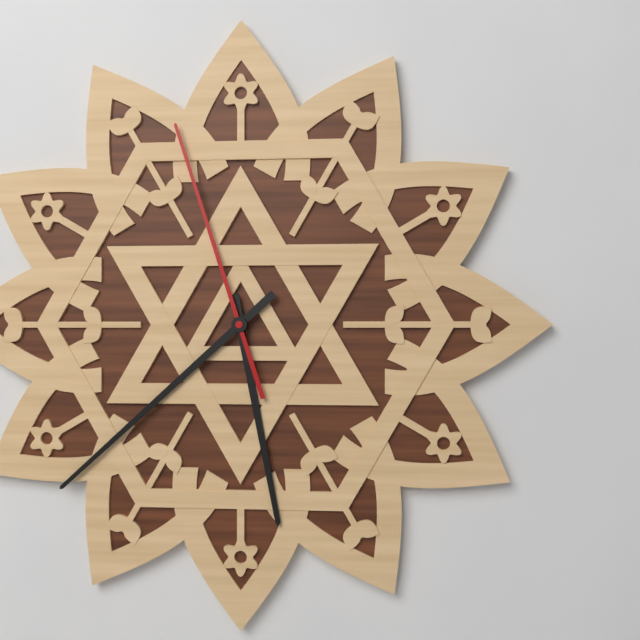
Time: 5h38m57s
